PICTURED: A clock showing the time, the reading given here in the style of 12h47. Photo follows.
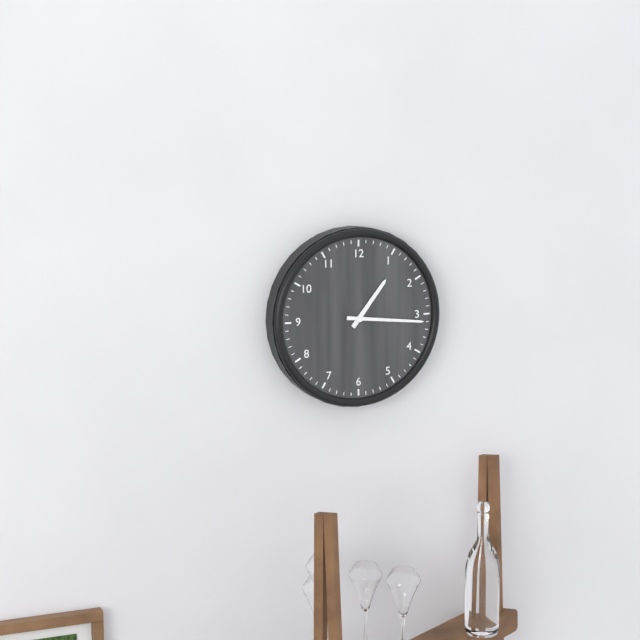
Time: 1h16
